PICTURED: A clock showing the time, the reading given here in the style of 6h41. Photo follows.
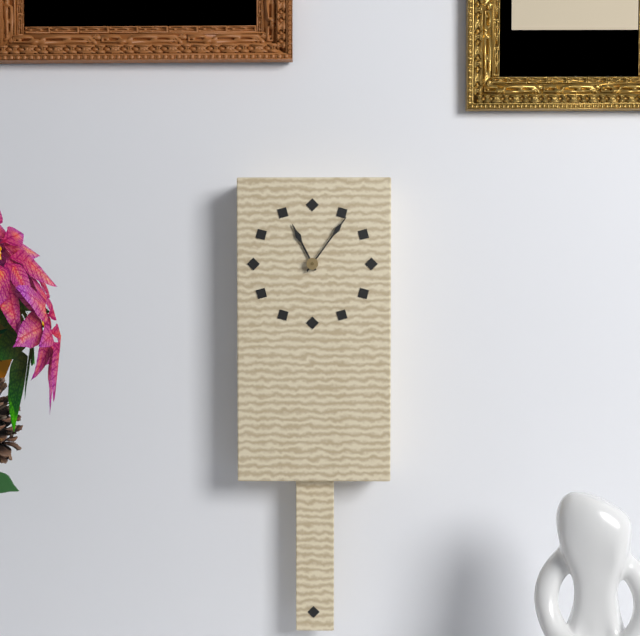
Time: 11h06
